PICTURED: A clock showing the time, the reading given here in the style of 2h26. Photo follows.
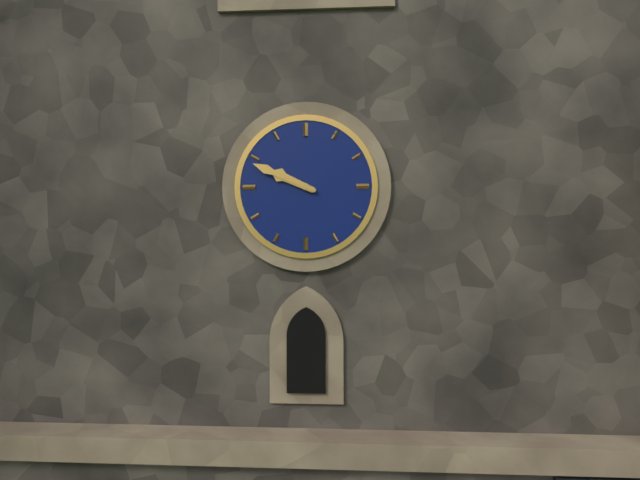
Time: 9h49
